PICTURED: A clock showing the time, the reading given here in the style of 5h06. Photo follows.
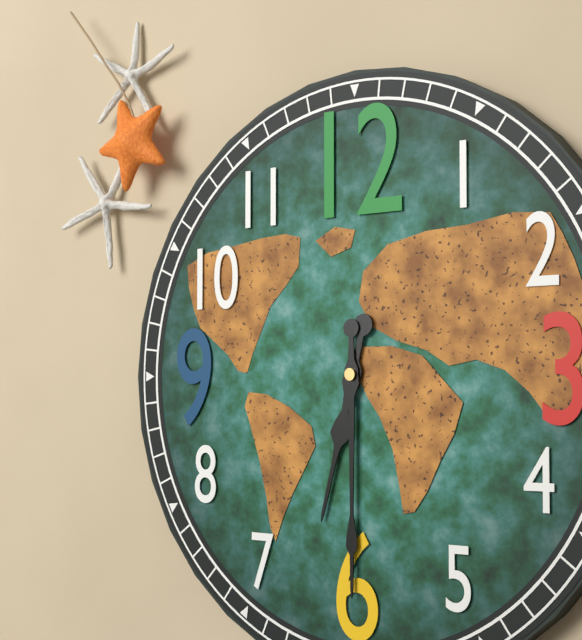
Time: 6h30
